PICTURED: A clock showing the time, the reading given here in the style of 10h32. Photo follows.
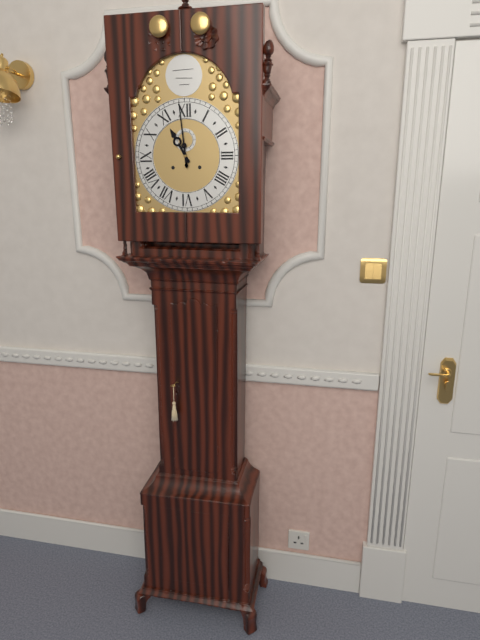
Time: 10h59
